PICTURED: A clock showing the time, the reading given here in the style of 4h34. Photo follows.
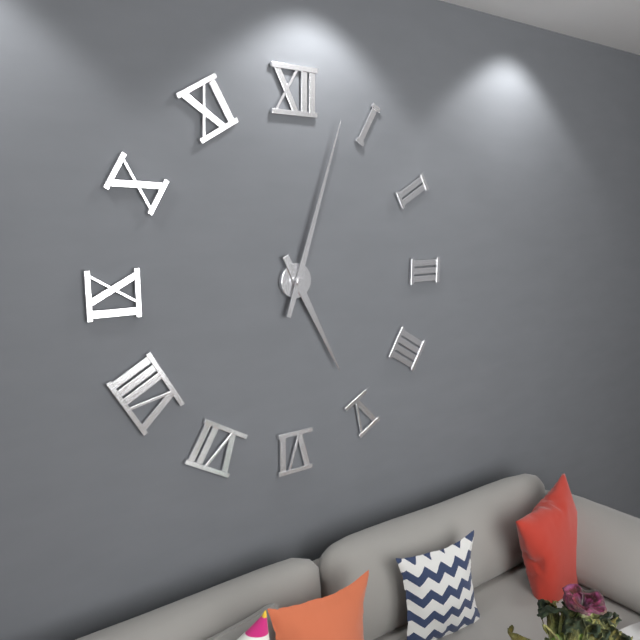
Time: 5h03
